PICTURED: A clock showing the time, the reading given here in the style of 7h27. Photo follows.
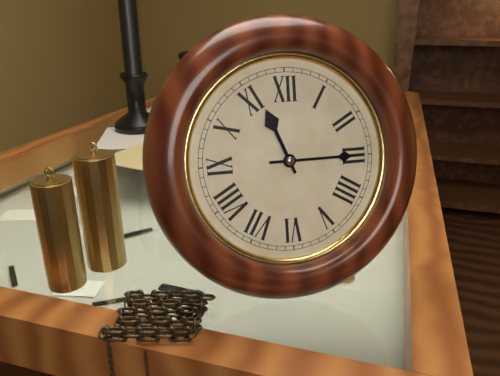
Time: 11h15
